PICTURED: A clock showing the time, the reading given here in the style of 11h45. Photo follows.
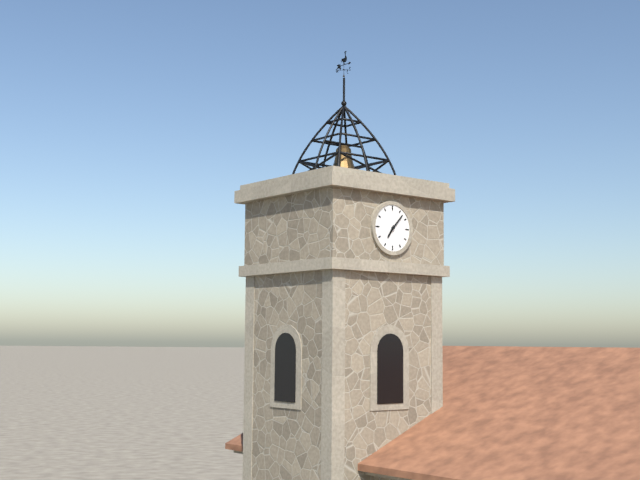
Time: 7h07
